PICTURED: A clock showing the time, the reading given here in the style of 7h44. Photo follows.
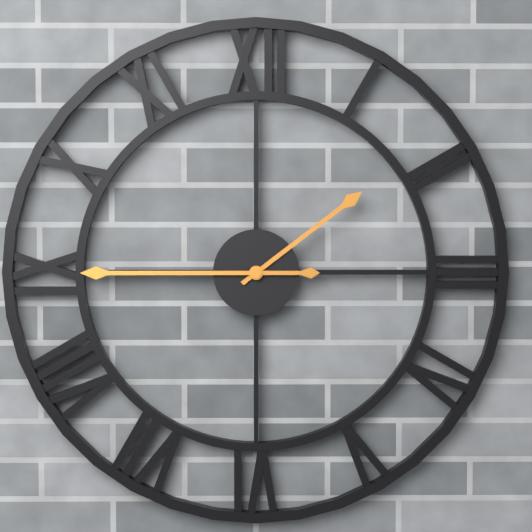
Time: 1h45
